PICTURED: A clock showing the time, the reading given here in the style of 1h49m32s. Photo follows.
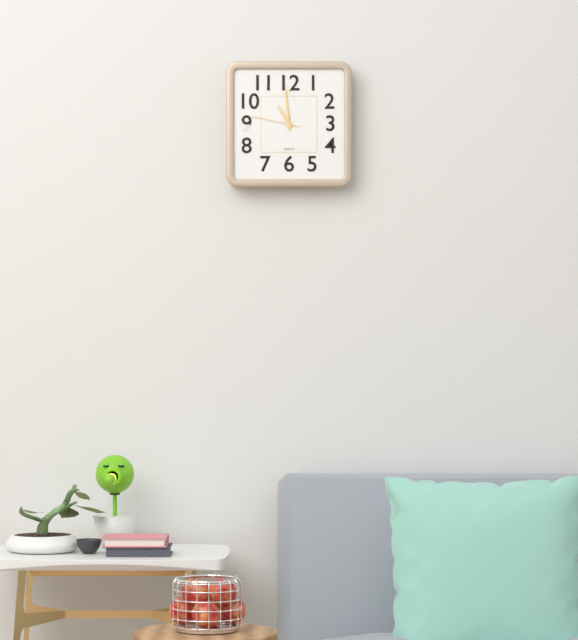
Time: 10h59m47s
